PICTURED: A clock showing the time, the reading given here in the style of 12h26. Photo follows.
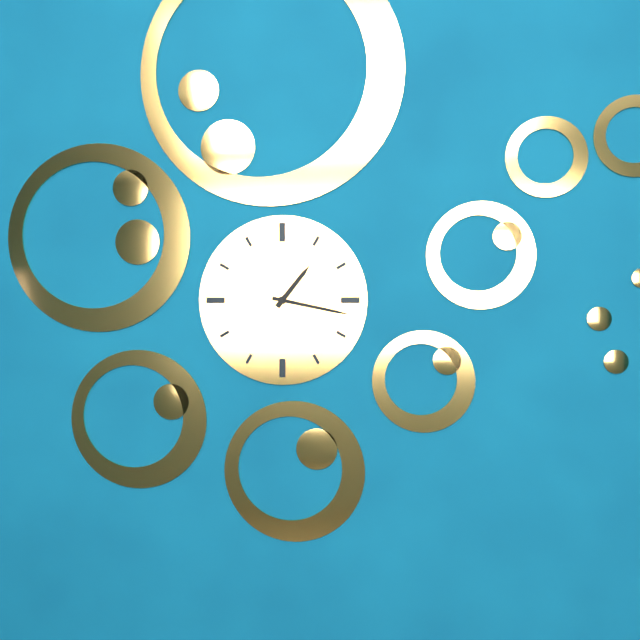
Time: 1h17
